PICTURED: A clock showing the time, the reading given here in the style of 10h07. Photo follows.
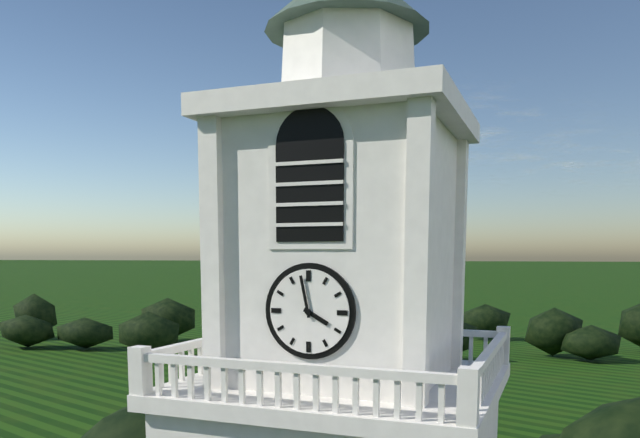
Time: 3h58
